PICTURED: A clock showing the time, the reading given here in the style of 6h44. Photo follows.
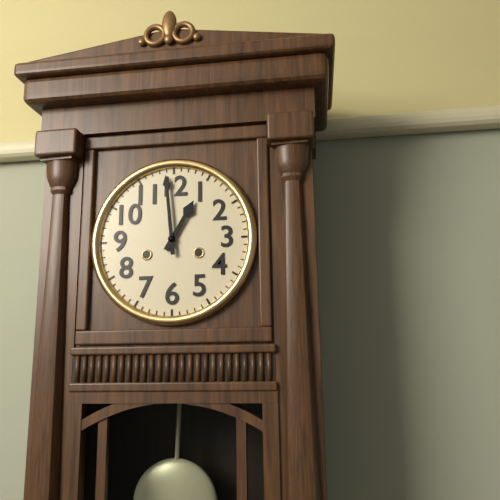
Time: 12h59
